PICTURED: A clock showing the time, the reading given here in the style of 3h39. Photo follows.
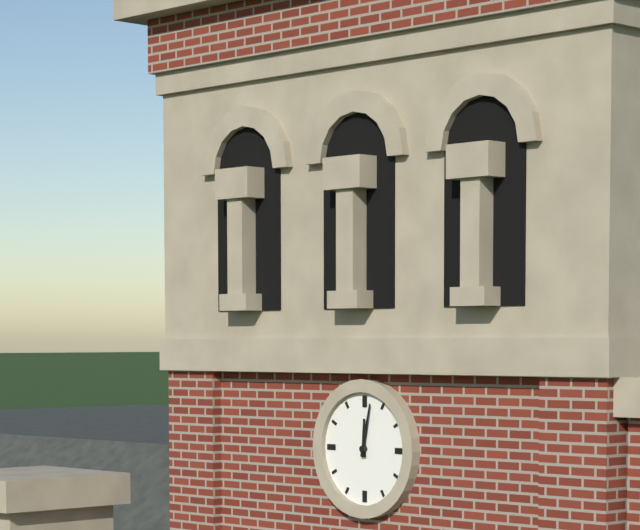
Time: 12h02
